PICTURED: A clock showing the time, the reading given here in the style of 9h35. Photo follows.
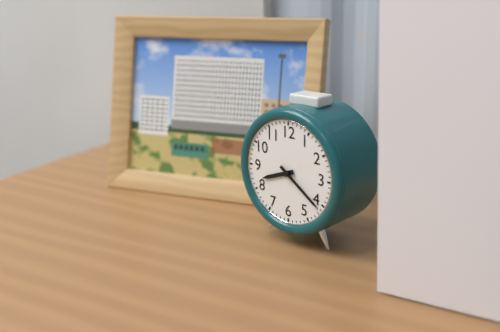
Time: 8h21
